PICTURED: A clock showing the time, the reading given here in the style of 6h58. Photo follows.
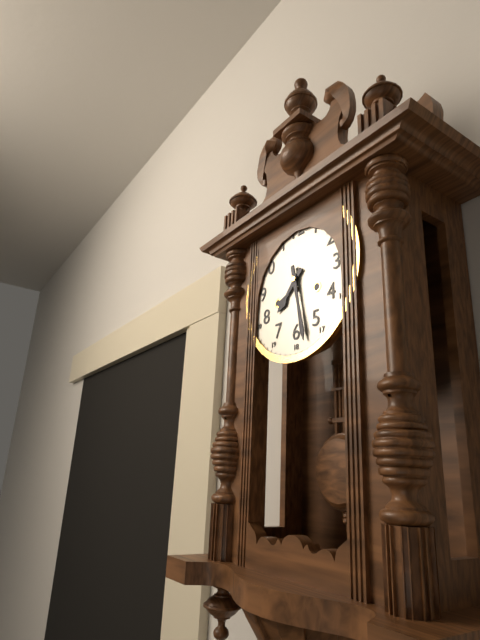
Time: 7h28
